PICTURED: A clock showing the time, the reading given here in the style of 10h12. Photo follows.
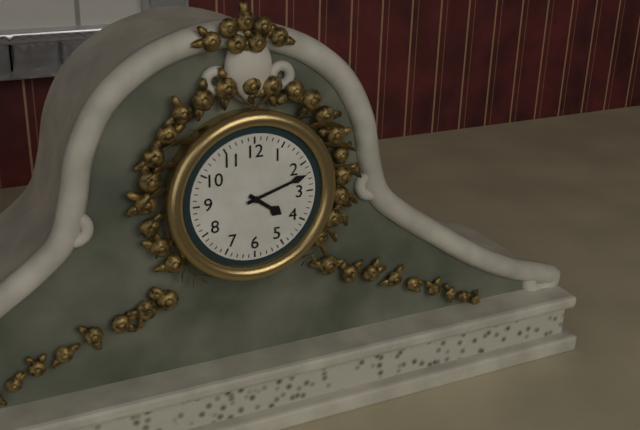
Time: 4h12
